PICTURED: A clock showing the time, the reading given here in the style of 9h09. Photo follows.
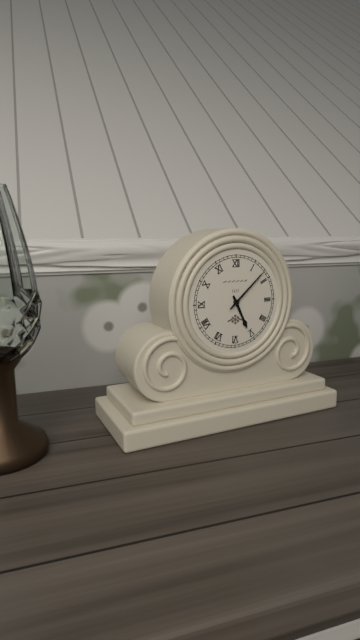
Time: 5h08
